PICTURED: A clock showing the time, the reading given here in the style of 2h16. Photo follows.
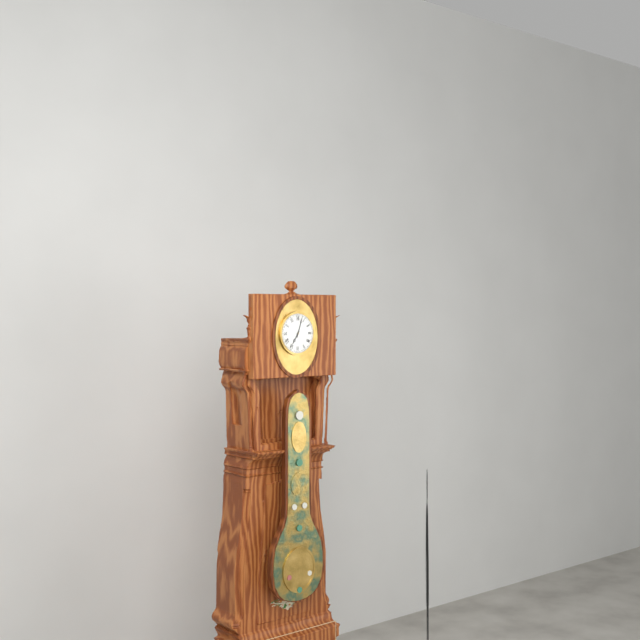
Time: 7h03
